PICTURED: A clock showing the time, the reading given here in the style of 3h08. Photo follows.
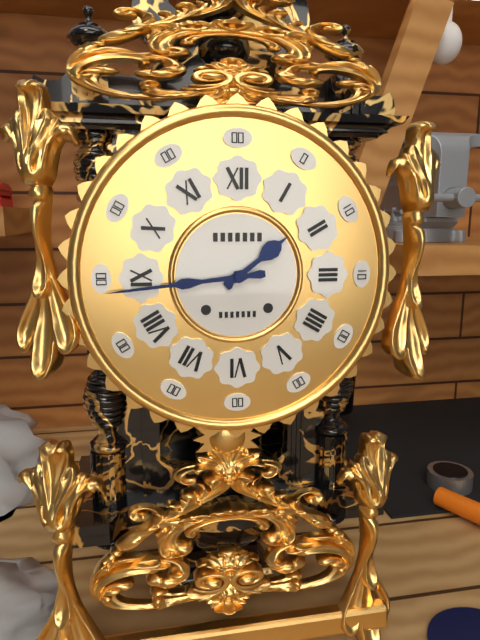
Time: 1h44
